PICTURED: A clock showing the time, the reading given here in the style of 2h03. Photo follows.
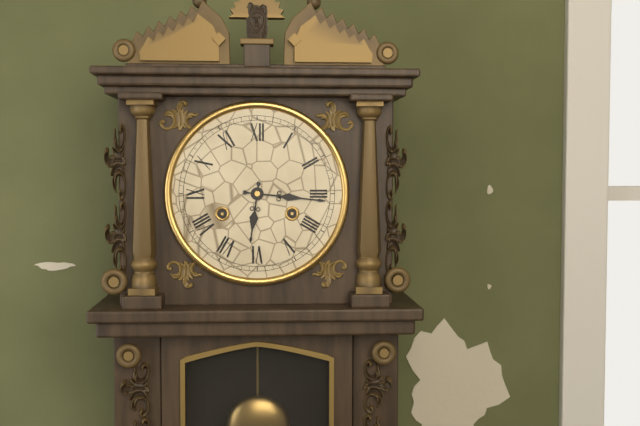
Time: 6h16
